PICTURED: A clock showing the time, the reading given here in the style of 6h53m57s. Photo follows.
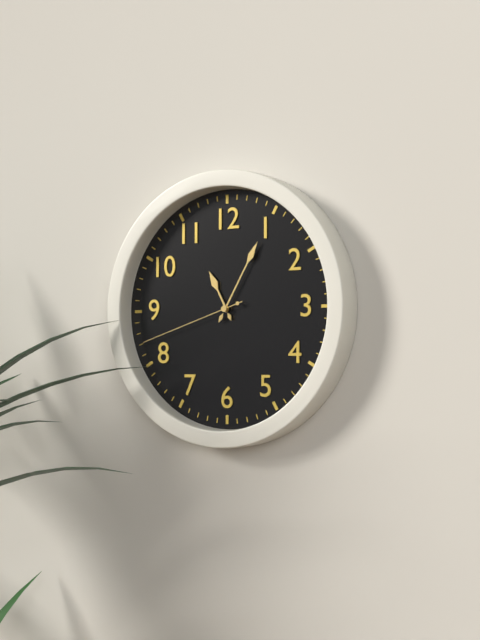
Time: 11h05m42s
